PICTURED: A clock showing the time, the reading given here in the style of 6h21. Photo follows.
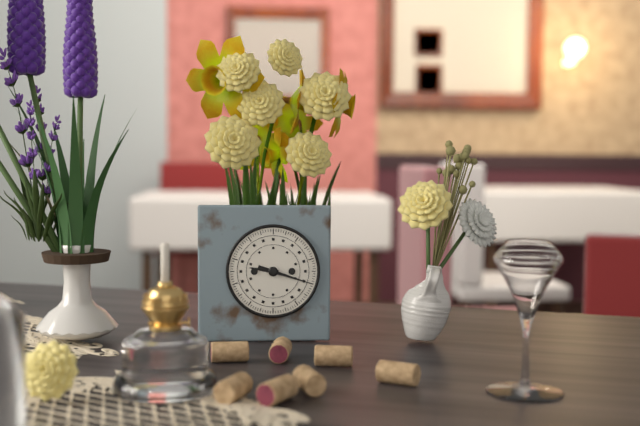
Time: 9h18
